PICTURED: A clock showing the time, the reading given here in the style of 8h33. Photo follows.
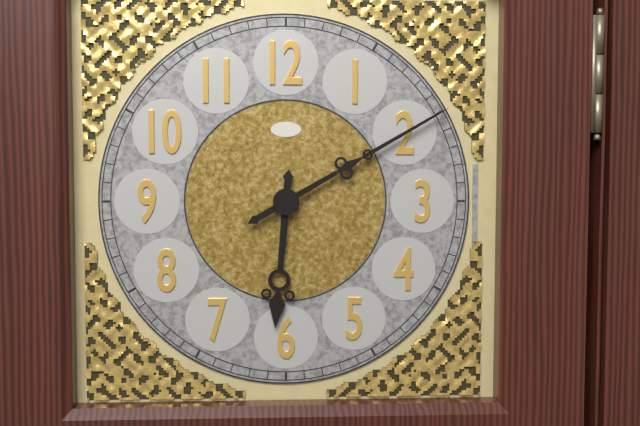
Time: 6h10
